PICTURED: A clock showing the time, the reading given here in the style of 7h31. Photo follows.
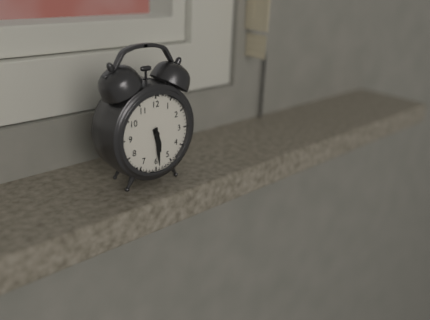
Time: 5h29
